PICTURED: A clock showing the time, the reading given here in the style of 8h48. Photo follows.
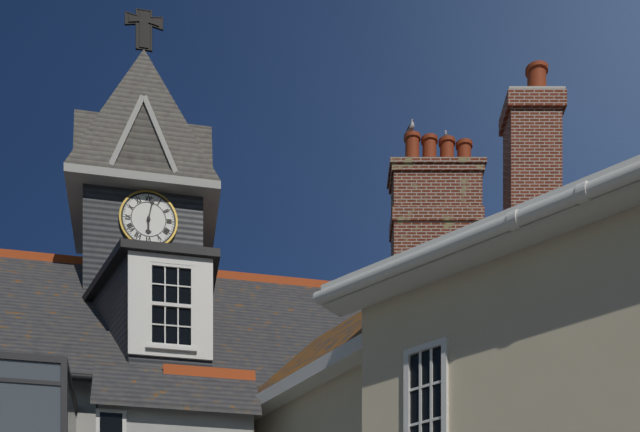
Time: 6h02
